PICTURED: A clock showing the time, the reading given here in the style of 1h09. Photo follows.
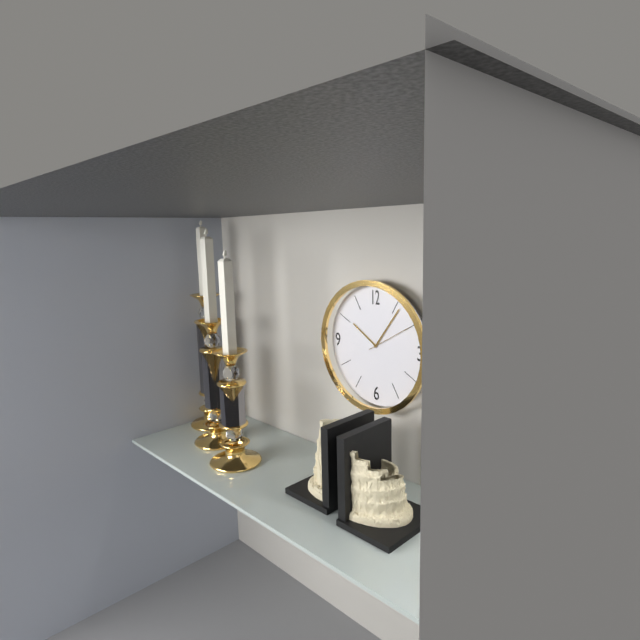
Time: 10h06
